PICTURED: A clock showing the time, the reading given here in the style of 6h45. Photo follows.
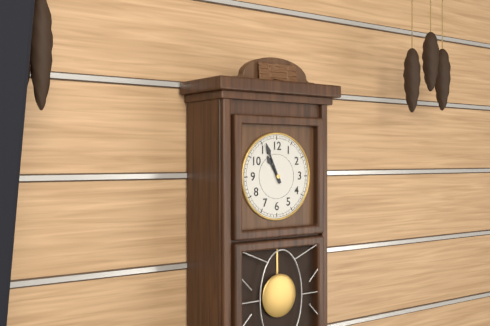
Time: 10h56
